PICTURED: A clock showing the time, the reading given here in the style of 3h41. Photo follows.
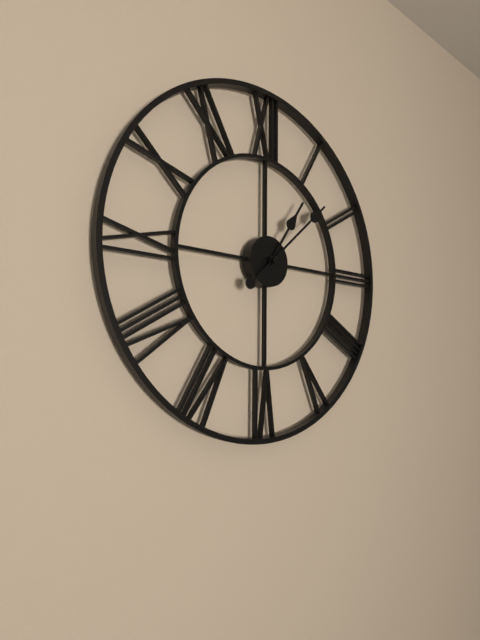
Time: 1h08
